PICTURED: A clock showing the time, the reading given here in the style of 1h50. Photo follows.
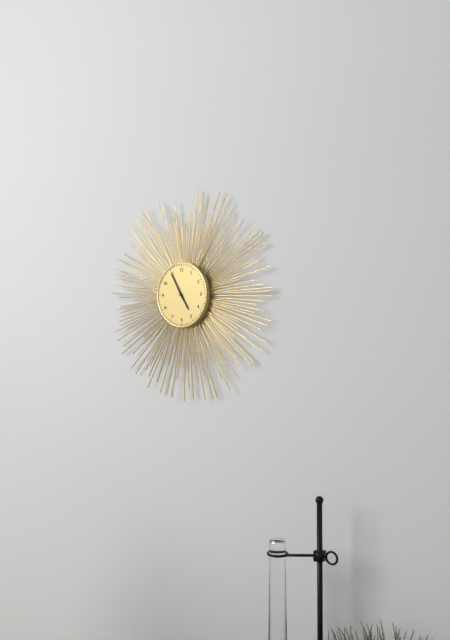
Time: 4h55
